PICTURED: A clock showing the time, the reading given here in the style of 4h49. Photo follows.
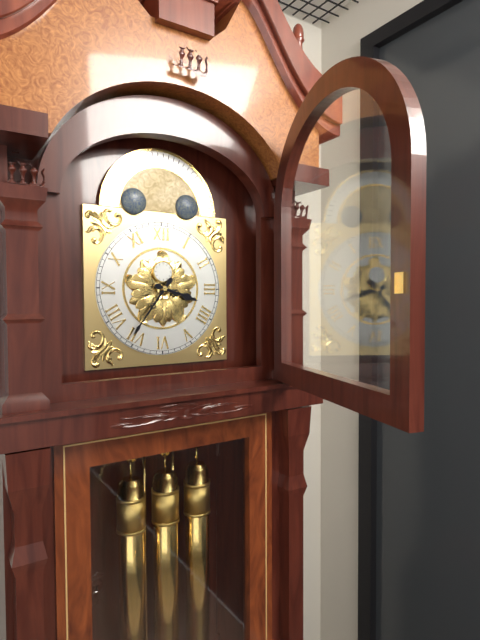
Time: 3h36
